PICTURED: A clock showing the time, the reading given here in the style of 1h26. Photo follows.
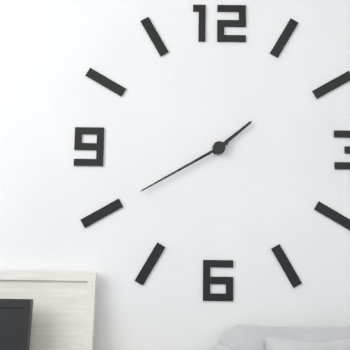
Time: 1h40
